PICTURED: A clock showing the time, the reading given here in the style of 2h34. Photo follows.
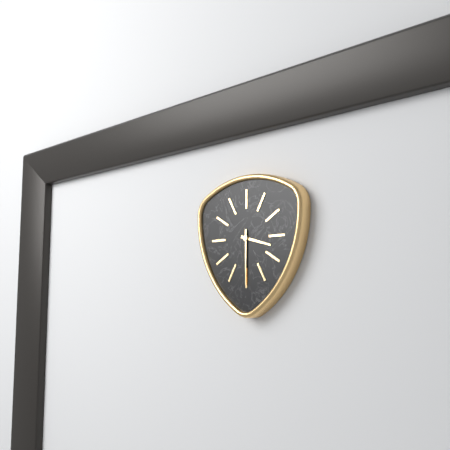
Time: 3h30
